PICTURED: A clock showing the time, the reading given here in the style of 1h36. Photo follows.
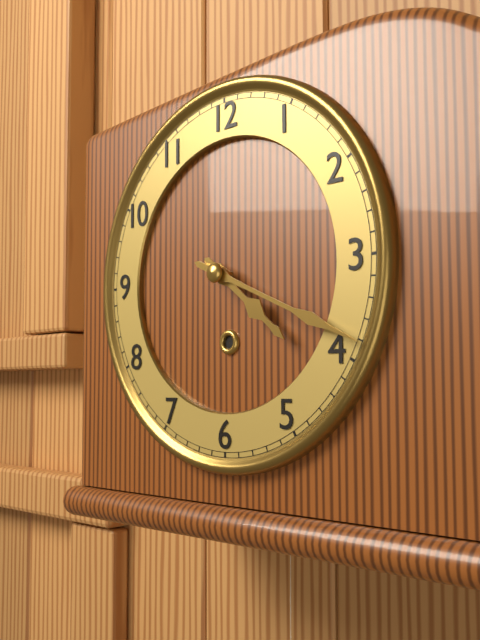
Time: 4h19
